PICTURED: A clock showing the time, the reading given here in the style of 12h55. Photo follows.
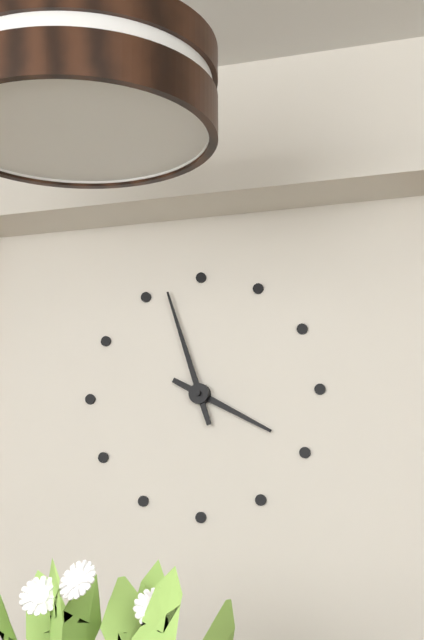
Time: 3h57
